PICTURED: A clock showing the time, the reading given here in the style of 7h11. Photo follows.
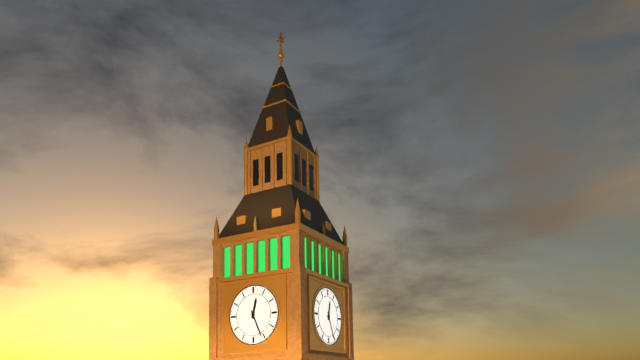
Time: 12h26
